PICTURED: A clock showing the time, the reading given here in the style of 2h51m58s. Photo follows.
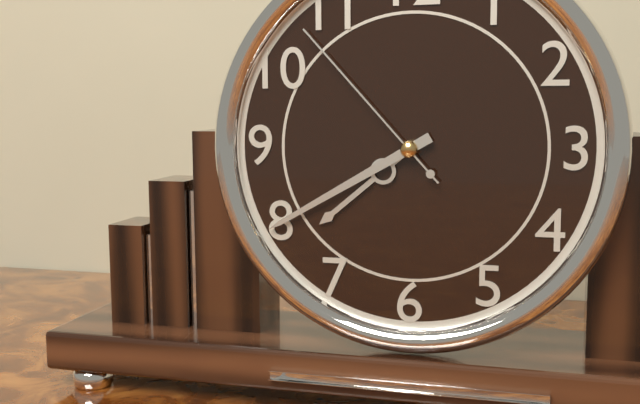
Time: 7h40m53s
